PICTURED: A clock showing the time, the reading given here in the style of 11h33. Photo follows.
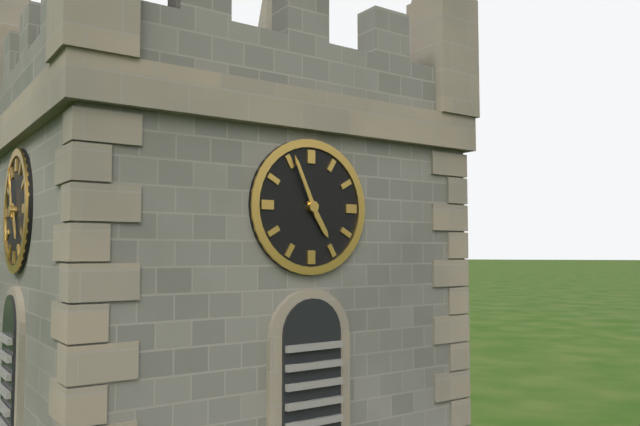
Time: 4h56
